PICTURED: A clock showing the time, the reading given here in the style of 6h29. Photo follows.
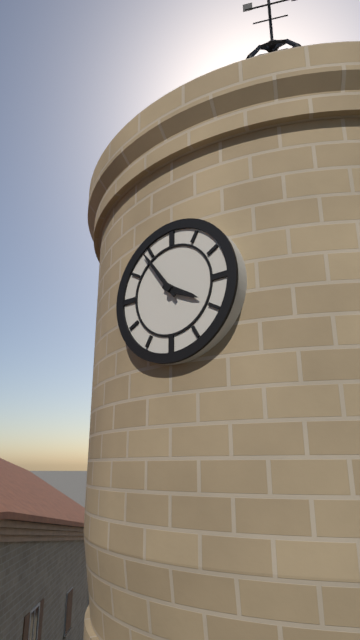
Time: 3h54
